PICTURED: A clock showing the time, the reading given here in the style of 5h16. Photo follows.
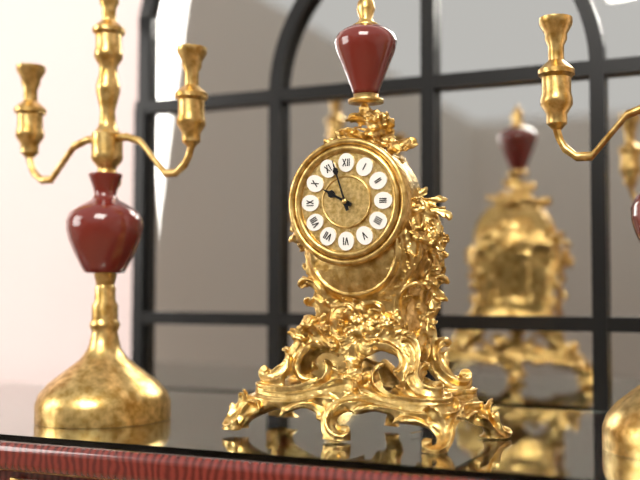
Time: 9h57
